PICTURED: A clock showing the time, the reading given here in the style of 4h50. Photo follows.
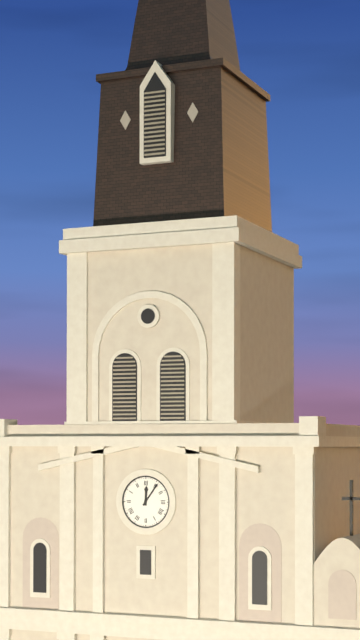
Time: 12h06
